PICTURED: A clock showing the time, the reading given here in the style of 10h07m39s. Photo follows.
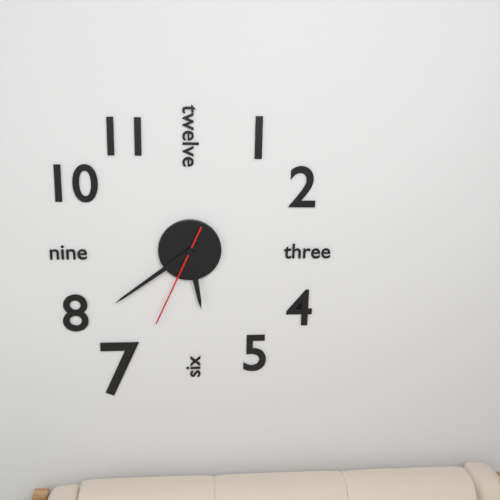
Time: 5h39m34s
